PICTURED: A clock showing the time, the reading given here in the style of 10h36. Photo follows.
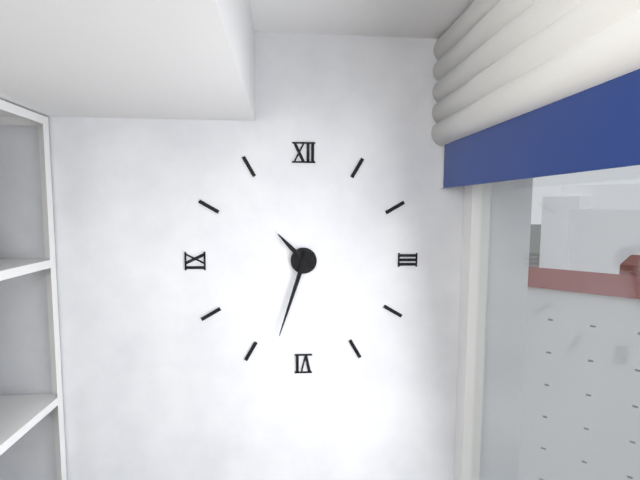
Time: 10h33
